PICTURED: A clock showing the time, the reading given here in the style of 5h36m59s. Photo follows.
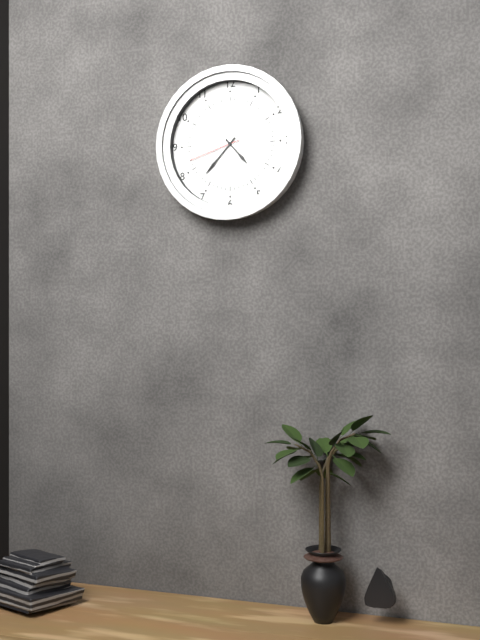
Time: 4h37m42s
